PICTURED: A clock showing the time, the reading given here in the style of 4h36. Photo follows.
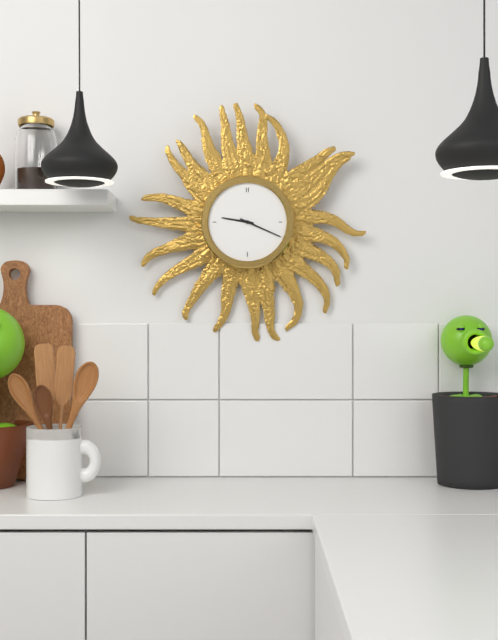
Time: 9h19
